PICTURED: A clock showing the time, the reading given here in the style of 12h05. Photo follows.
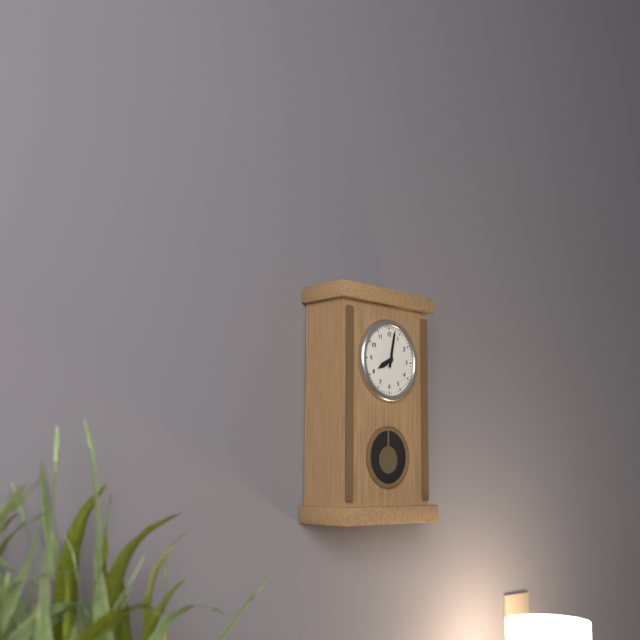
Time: 8h02
